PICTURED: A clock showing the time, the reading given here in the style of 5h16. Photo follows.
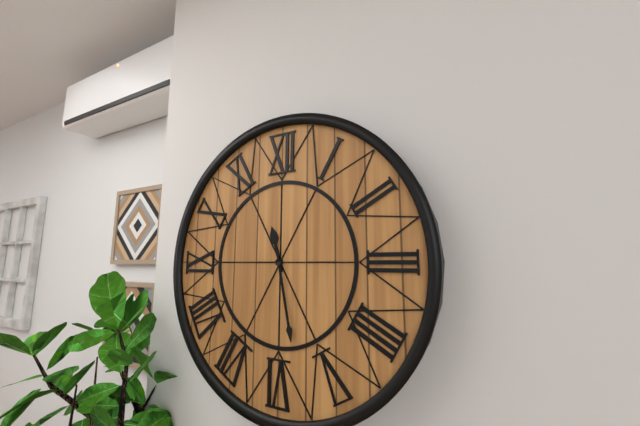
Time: 11h28
